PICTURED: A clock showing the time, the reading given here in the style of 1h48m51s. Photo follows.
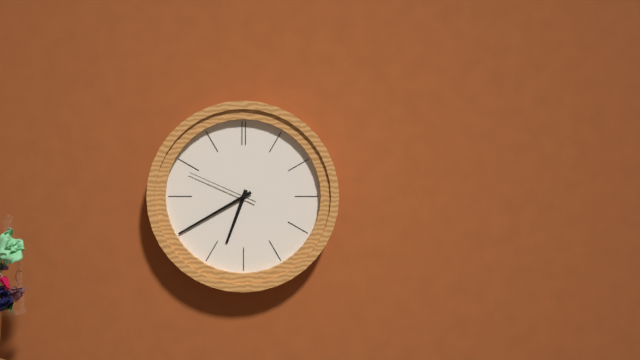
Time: 6h40m49s
